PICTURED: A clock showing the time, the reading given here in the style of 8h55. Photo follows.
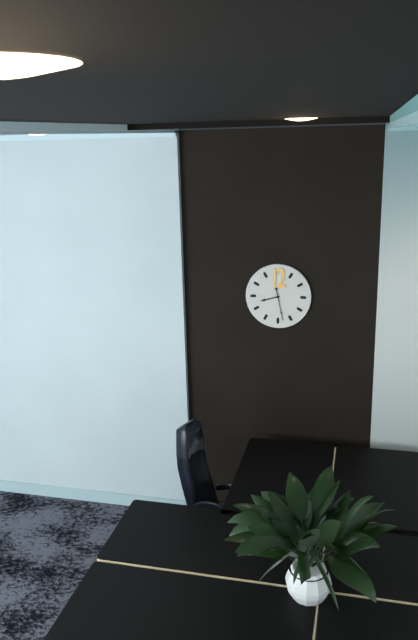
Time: 8h28
